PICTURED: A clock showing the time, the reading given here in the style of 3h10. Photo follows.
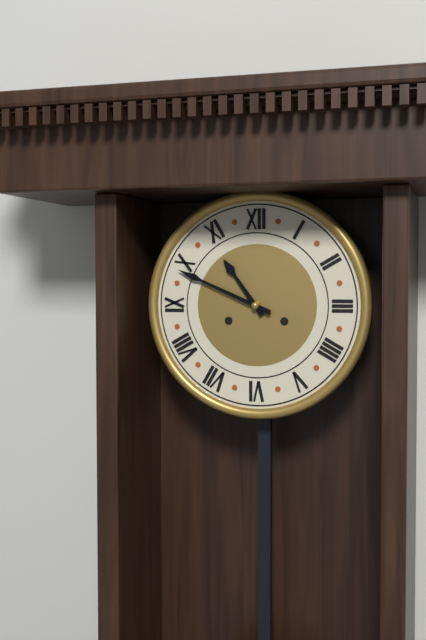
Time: 10h49
